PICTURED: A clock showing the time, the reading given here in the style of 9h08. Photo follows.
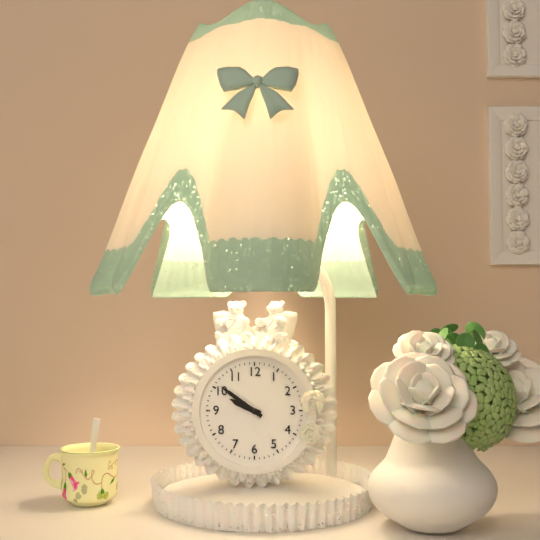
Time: 9h51
